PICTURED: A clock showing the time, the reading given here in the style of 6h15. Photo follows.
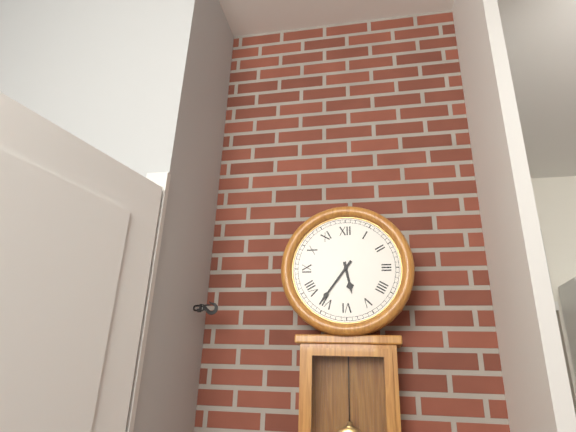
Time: 5h36
